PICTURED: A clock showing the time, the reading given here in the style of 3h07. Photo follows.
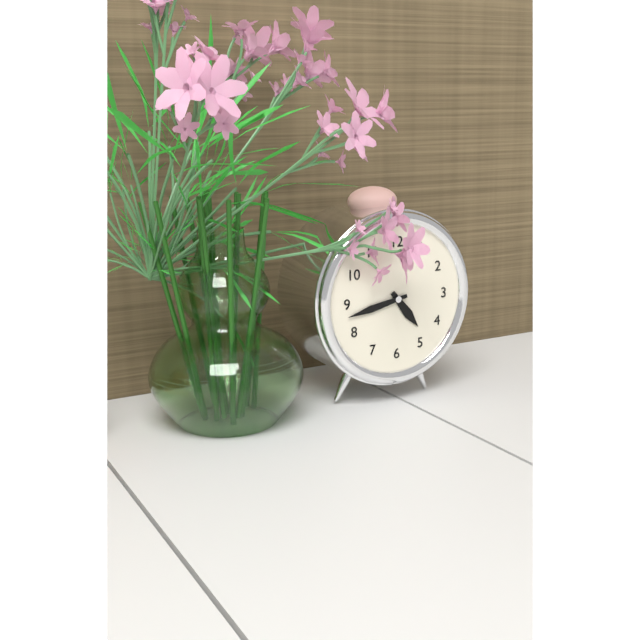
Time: 4h43
